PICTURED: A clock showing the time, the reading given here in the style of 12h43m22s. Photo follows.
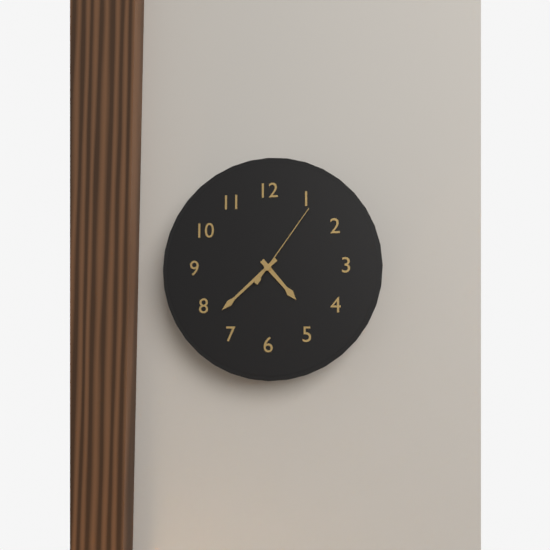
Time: 4h38m06s
